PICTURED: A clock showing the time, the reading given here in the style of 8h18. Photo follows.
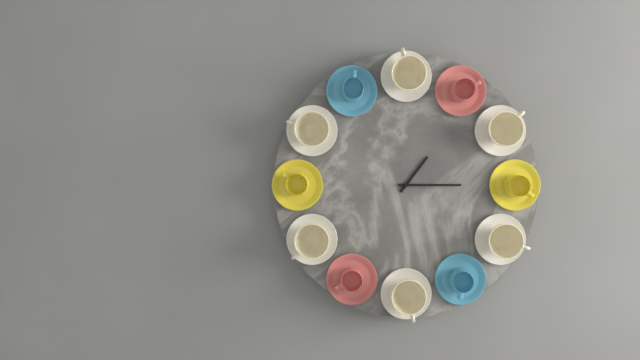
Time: 1h15
